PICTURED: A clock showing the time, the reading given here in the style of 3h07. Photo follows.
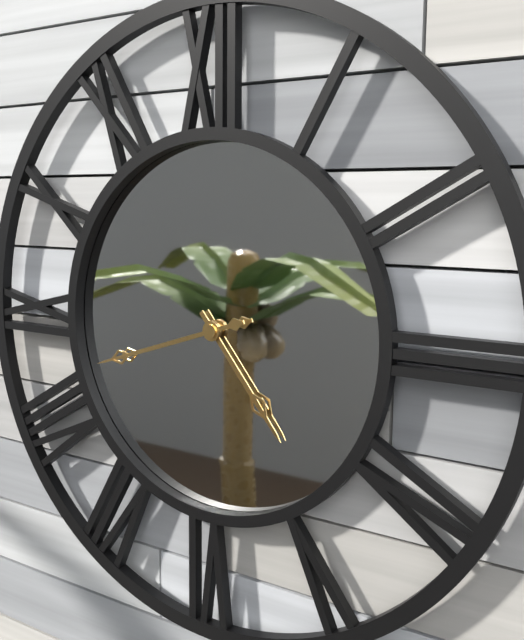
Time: 4h42
